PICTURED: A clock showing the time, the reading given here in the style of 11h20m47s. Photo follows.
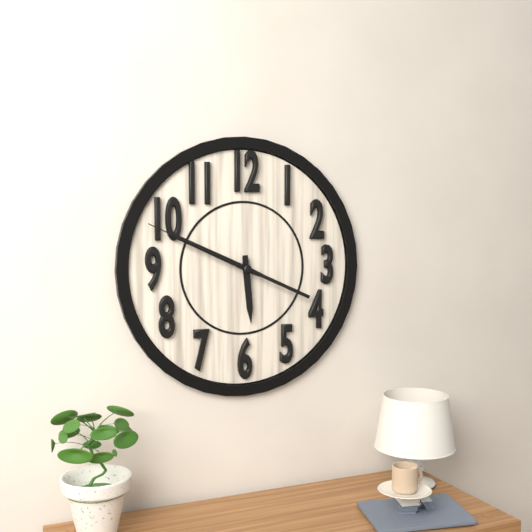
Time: 5h49m49s
